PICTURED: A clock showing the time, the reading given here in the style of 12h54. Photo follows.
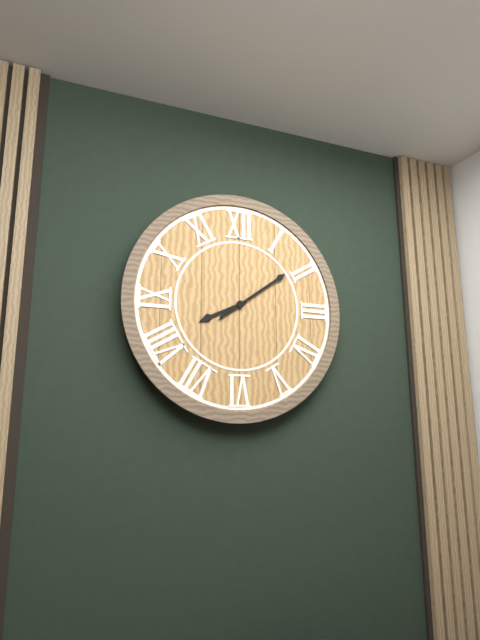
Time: 8h09
